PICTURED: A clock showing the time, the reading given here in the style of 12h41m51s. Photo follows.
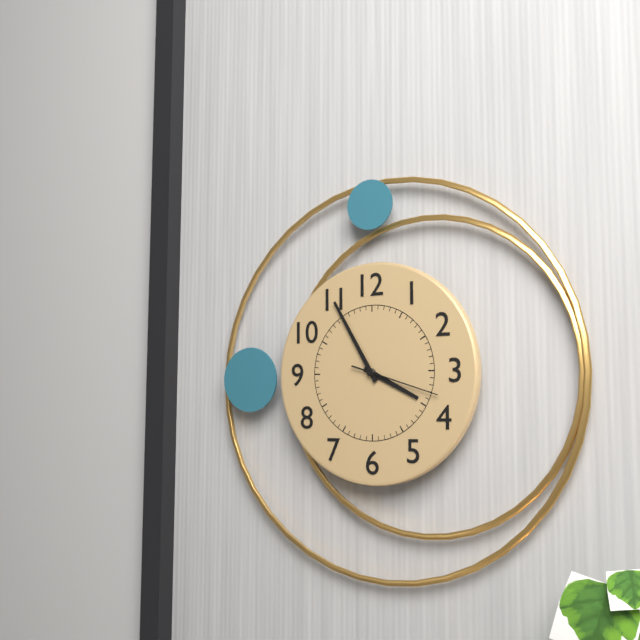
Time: 3h55m18s
